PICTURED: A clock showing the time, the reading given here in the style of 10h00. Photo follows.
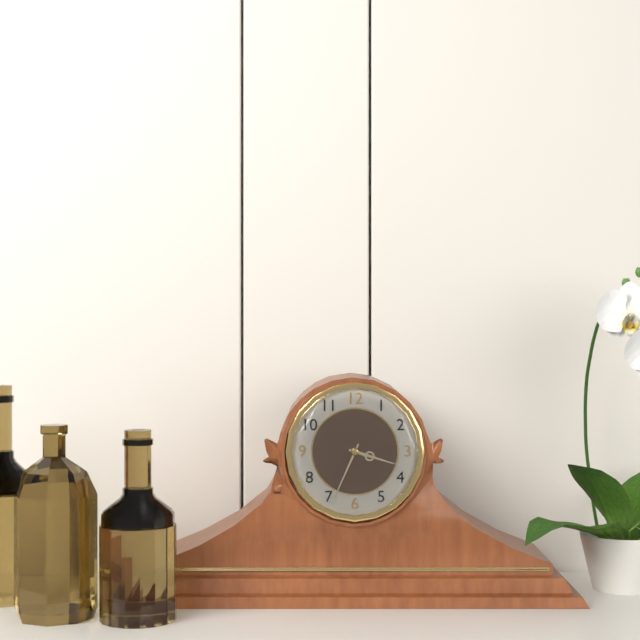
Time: 3h34
